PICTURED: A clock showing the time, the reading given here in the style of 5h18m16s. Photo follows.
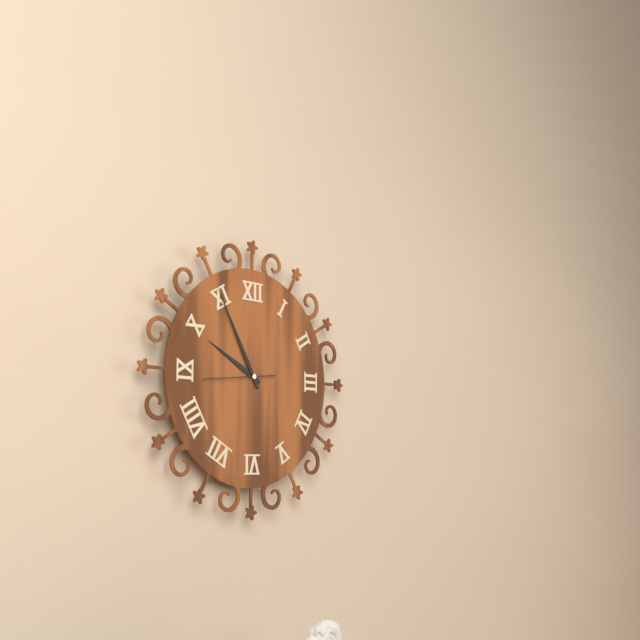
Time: 9h55m44s
